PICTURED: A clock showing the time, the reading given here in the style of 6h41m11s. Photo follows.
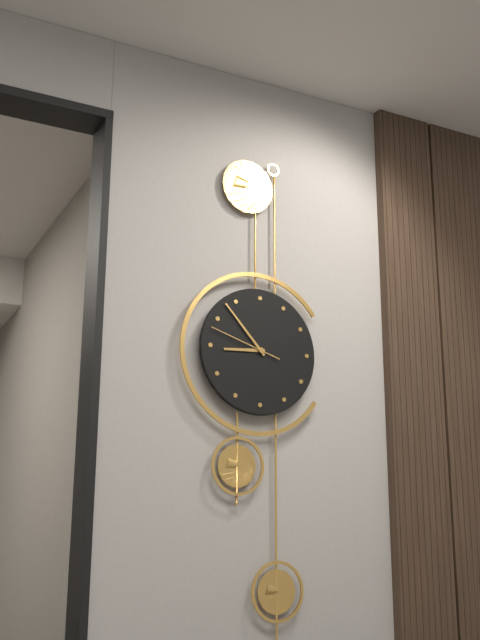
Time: 8h53m48s
